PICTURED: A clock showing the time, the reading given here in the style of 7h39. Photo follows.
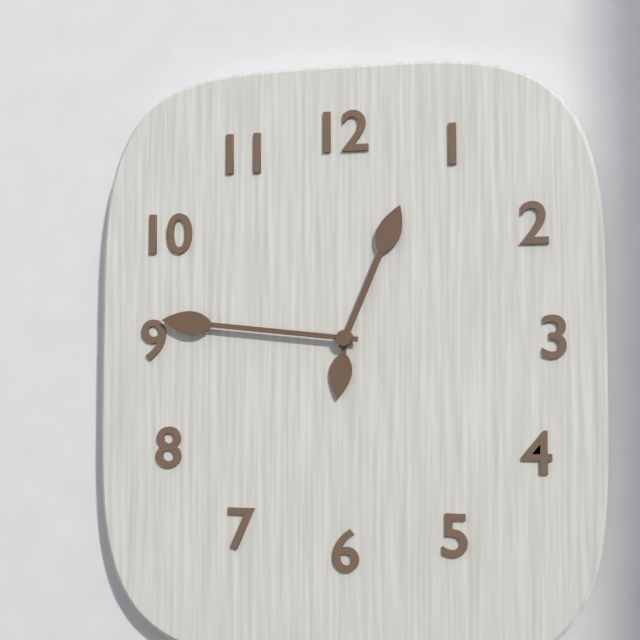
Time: 12h46
